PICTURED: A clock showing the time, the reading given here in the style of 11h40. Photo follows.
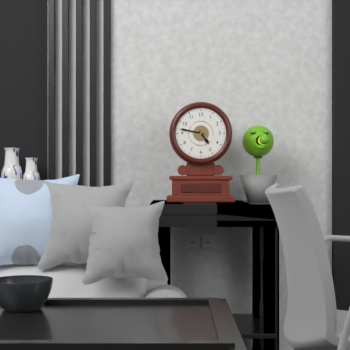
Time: 4h47
